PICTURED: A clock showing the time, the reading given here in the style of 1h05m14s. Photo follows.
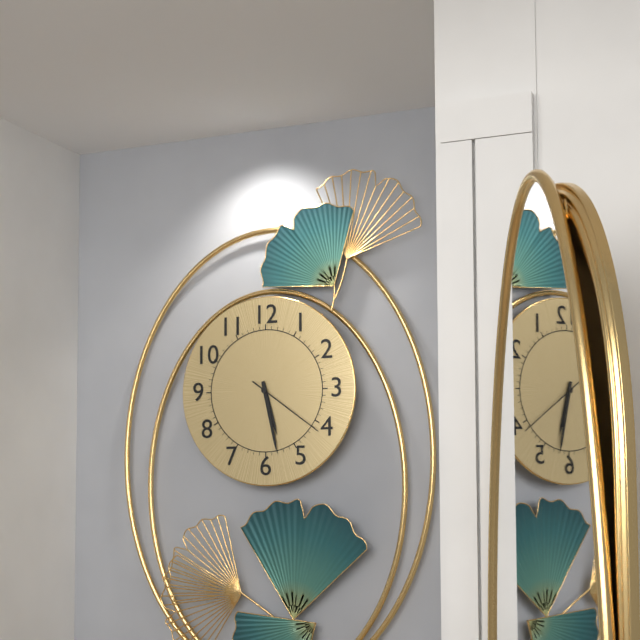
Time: 5h28m21s
